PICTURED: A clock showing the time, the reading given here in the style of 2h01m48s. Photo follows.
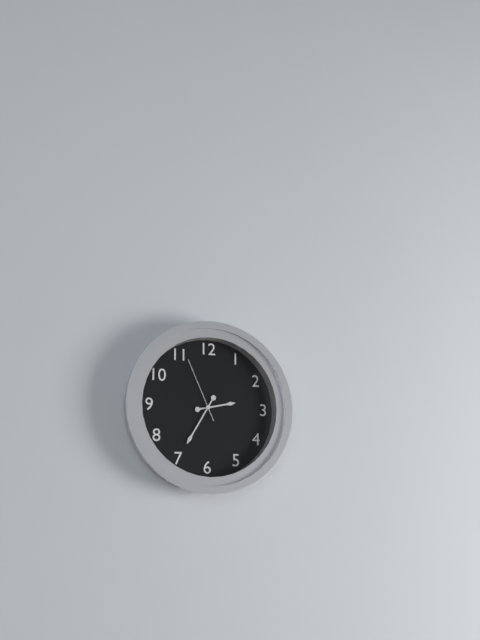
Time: 2h35m56s
